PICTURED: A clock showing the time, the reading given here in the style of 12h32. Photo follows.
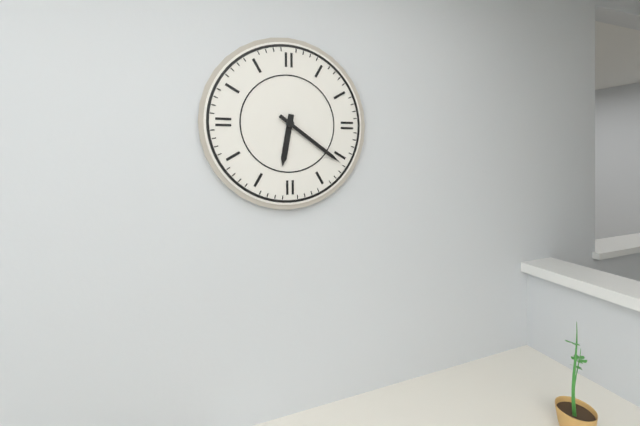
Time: 6h21
